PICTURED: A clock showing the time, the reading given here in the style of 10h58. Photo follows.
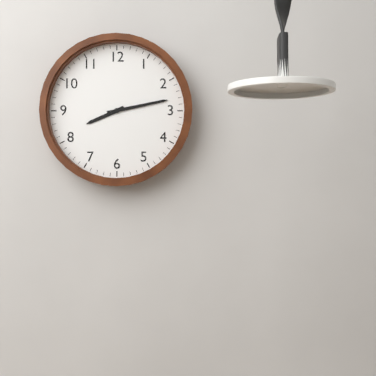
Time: 8h13
